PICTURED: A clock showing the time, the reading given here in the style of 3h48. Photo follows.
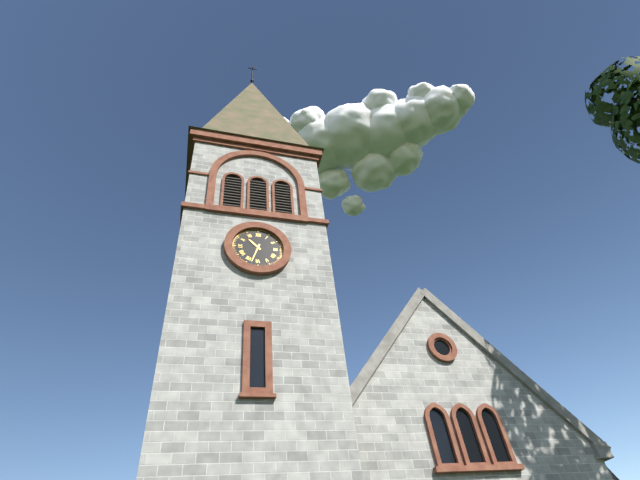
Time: 10h33
